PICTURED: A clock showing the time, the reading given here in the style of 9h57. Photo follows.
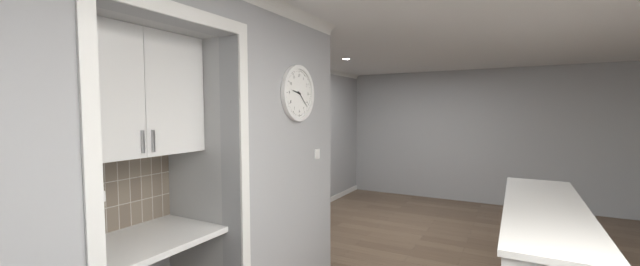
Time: 9h22
